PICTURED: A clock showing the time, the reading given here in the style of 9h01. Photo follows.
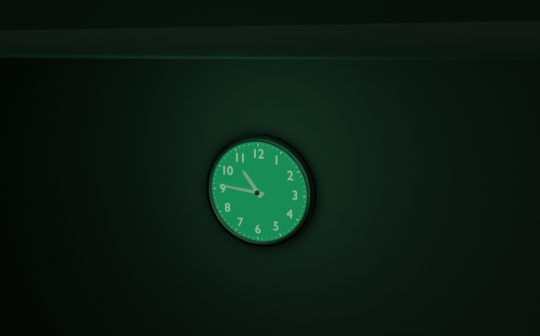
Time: 10h46
